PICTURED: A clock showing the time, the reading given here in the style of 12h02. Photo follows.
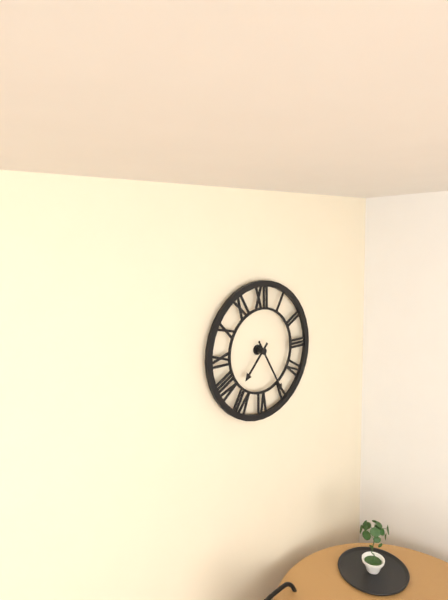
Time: 7h25
